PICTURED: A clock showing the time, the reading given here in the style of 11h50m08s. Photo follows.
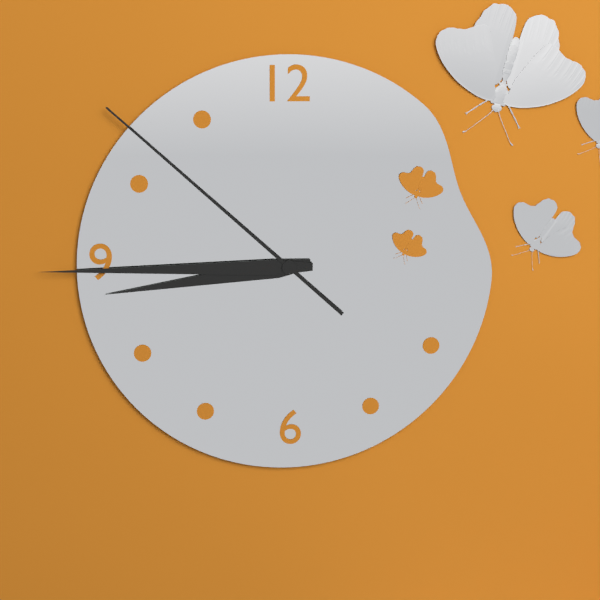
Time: 8h45m52s
